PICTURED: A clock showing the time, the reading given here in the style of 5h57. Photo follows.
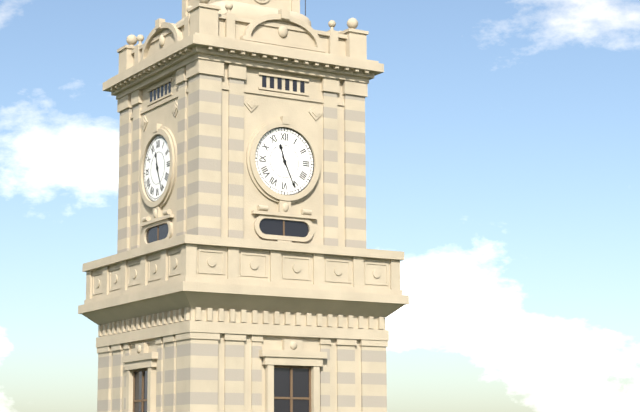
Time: 11h26
